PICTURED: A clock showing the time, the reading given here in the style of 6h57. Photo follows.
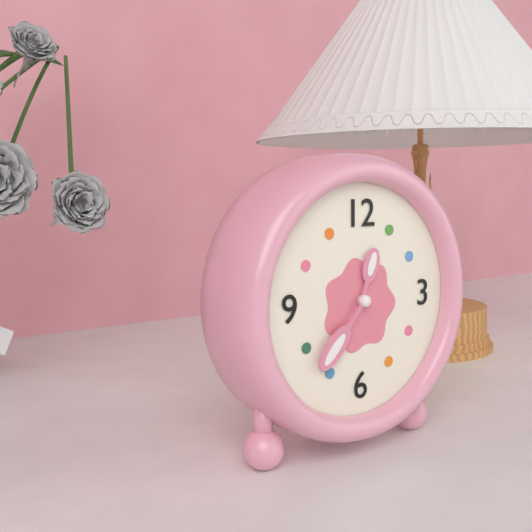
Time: 12h37
